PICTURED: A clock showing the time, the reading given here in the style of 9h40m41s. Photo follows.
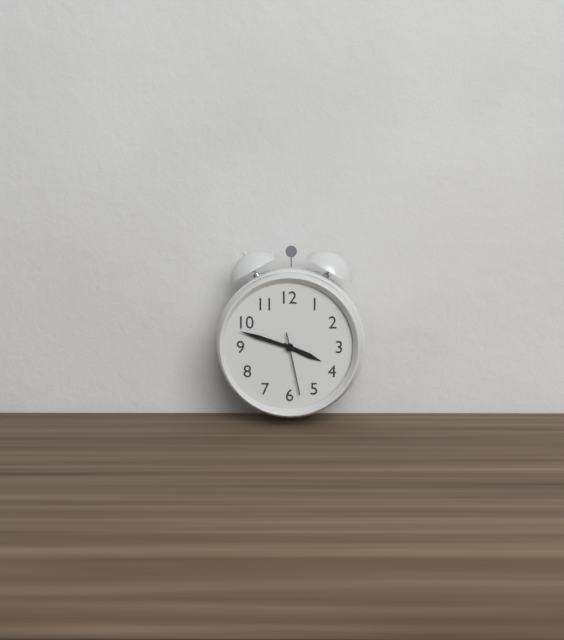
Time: 3h48m28s
